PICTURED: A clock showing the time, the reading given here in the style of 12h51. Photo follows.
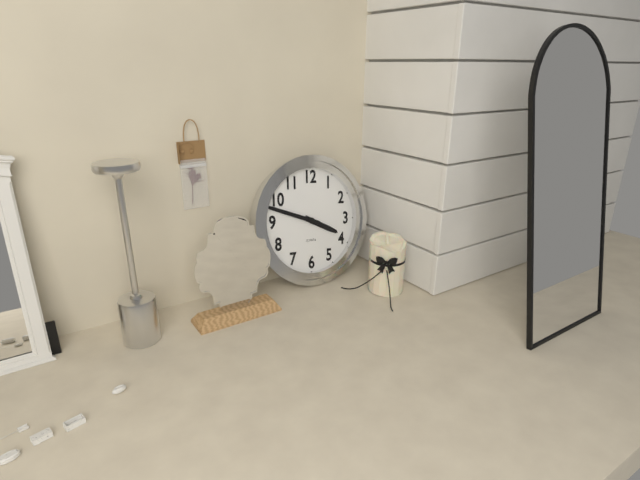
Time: 3h48
